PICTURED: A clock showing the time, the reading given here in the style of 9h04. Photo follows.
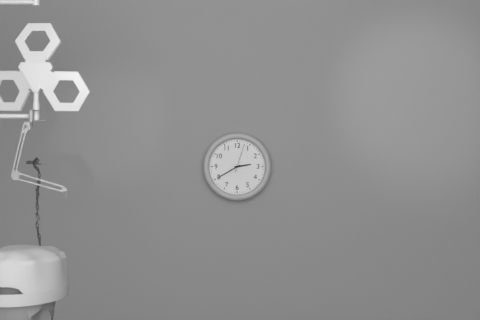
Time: 2h40
